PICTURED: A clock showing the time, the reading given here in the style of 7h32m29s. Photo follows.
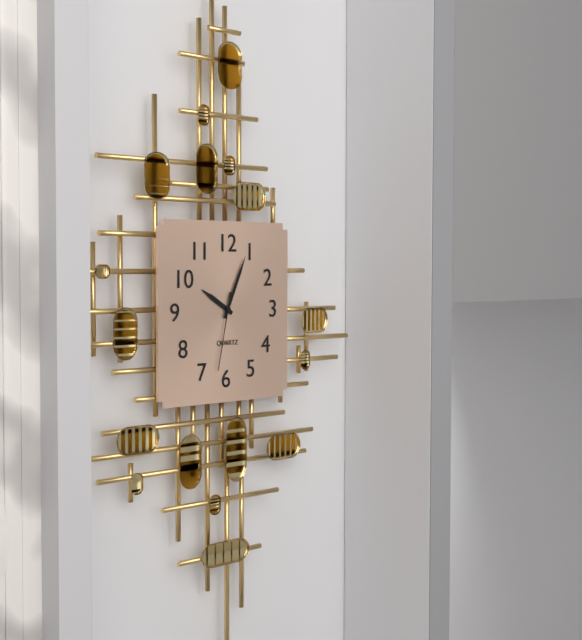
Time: 10h04m32s
